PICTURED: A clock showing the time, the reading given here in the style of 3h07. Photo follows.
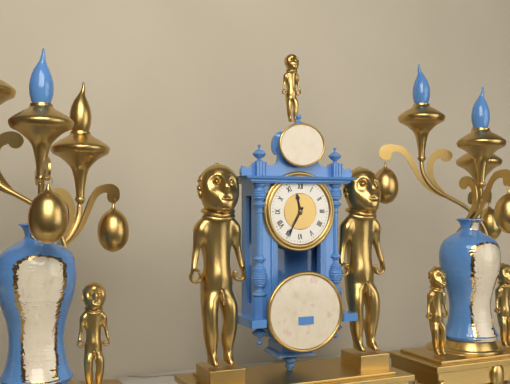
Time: 11h35
